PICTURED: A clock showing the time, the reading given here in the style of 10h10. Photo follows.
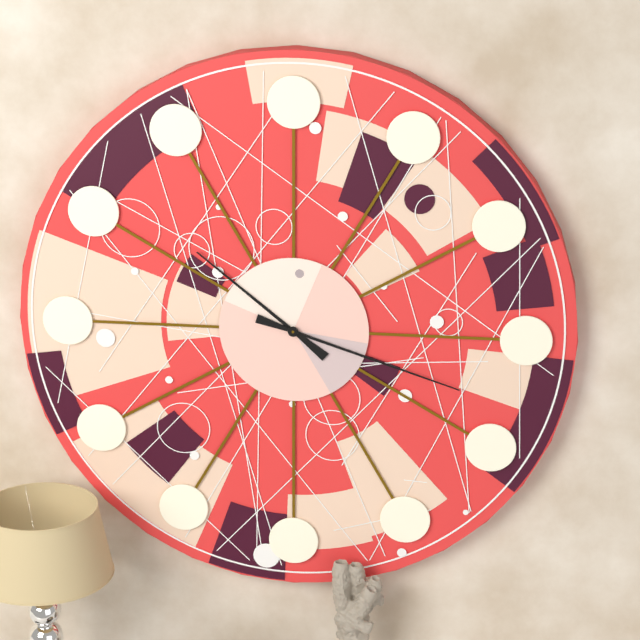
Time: 10h18
